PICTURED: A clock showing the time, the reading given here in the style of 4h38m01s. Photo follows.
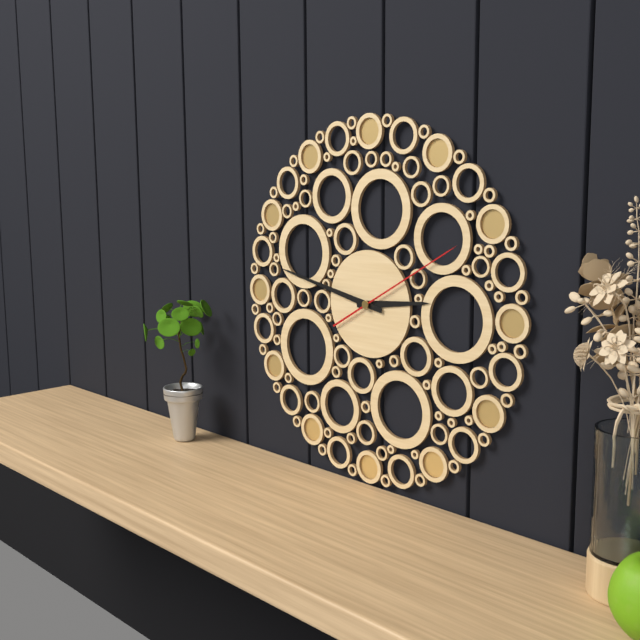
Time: 2h47m10s
